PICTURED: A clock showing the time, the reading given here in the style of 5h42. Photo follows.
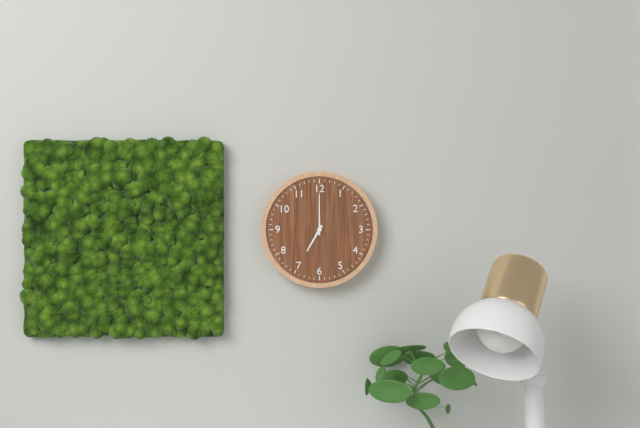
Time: 7h00
